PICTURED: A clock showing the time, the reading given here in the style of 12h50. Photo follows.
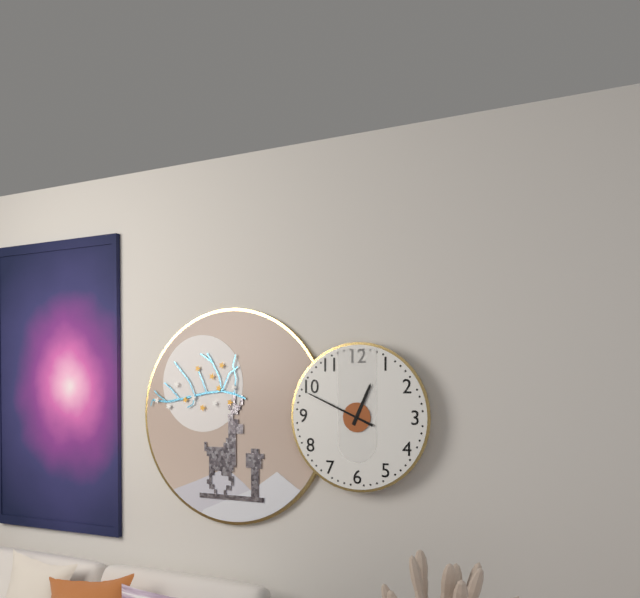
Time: 12h49
